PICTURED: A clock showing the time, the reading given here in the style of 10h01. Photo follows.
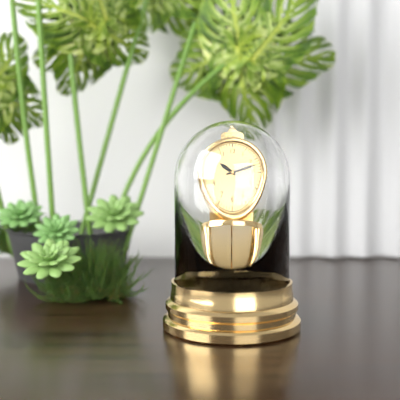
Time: 10h12
